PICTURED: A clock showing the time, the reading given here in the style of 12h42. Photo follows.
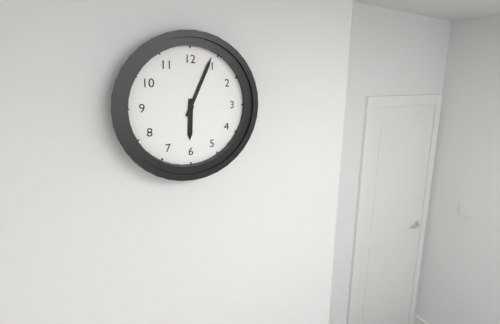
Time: 6h04
